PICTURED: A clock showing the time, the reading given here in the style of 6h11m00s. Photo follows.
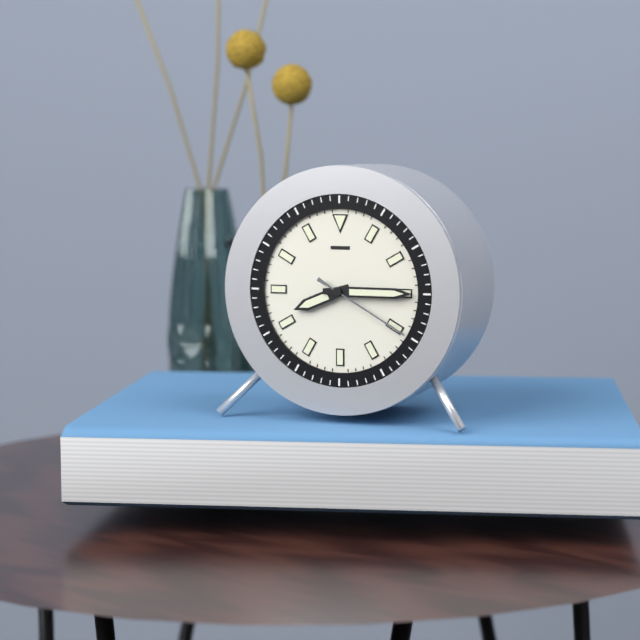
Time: 8h15m20s
